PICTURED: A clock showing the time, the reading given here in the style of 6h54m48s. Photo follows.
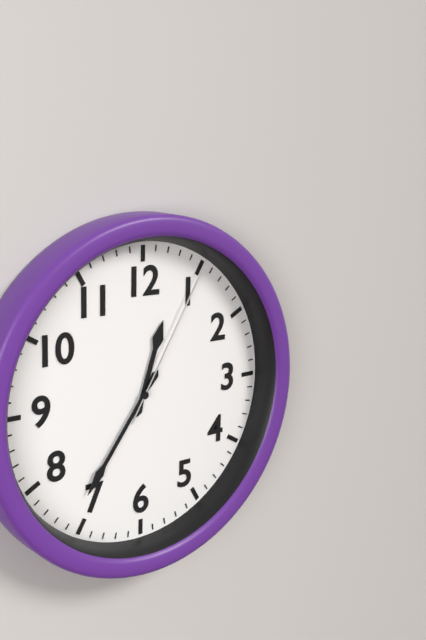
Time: 12h36m05s
